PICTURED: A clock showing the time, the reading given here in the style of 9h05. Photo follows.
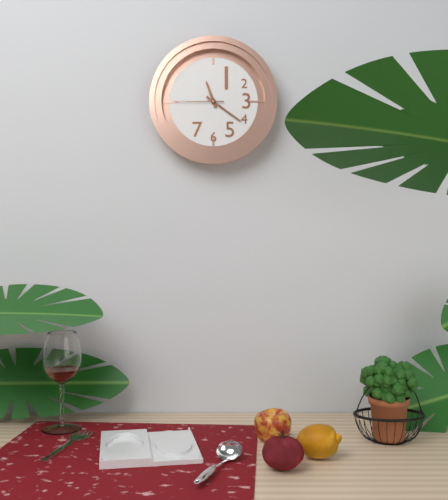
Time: 11h21
